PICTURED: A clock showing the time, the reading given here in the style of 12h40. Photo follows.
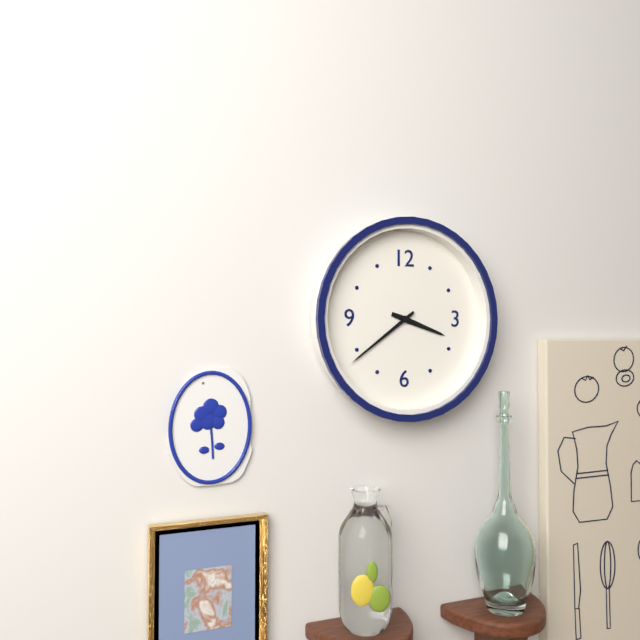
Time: 3h39
